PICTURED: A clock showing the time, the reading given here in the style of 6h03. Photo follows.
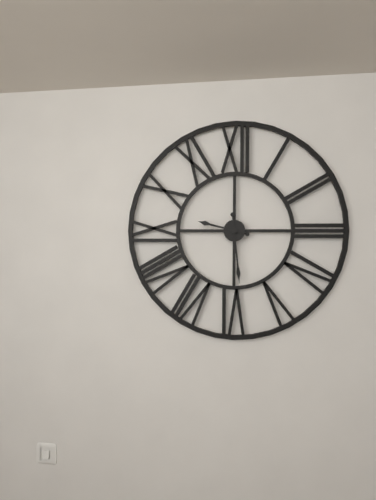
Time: 9h29
